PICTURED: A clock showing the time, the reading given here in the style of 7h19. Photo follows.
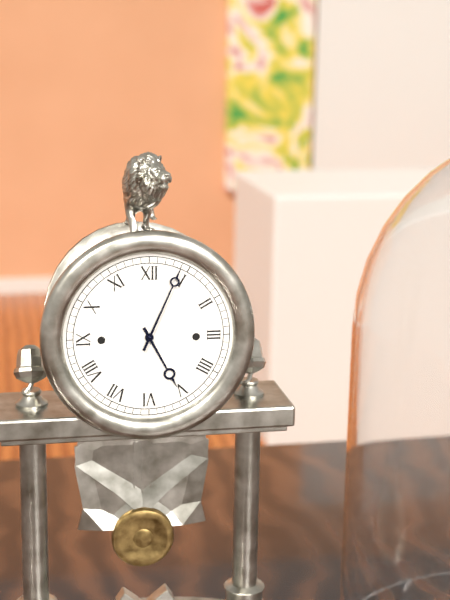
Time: 5h04
